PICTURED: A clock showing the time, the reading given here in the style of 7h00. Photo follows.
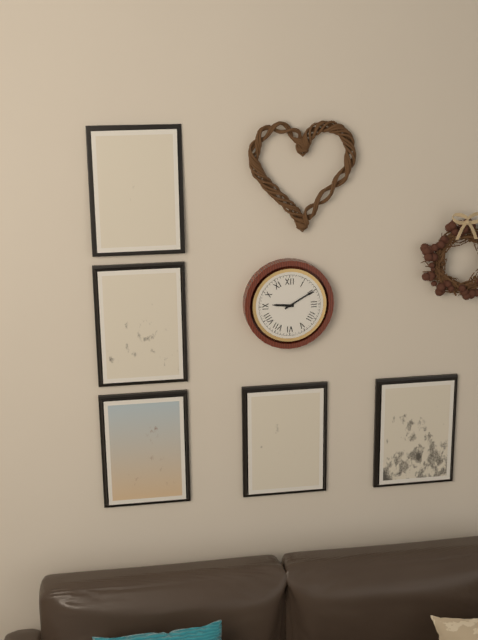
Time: 9h10
